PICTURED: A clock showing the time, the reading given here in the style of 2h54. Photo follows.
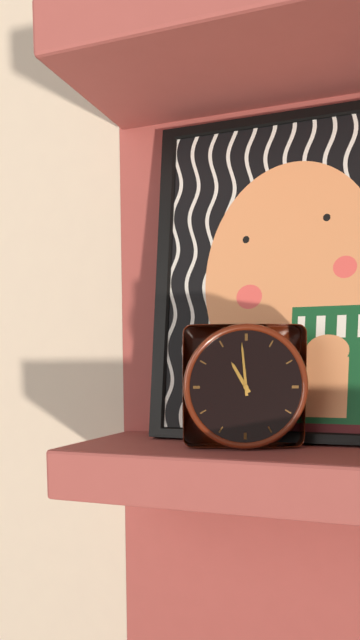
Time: 10h59
